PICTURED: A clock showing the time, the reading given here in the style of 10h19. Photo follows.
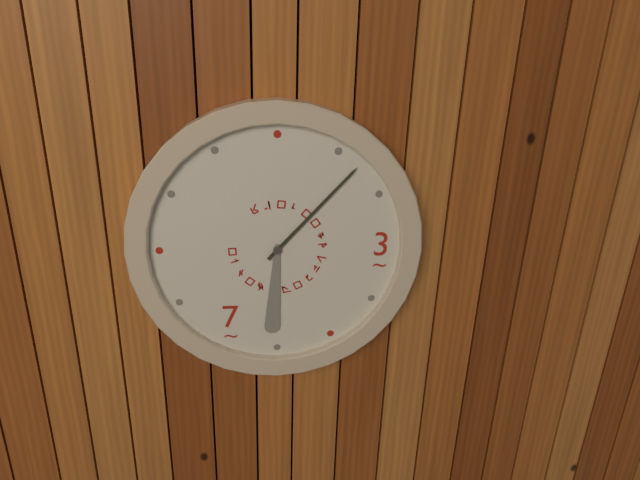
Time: 6h07
